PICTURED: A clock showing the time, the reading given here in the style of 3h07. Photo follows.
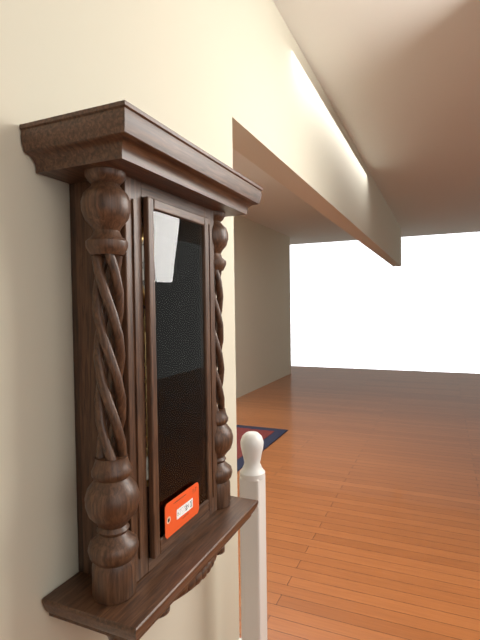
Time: 4h57
